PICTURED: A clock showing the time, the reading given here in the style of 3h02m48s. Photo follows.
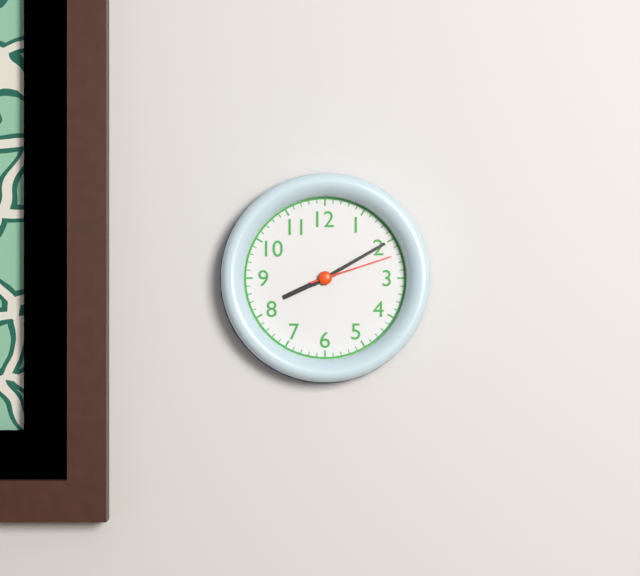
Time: 8h10m12s
